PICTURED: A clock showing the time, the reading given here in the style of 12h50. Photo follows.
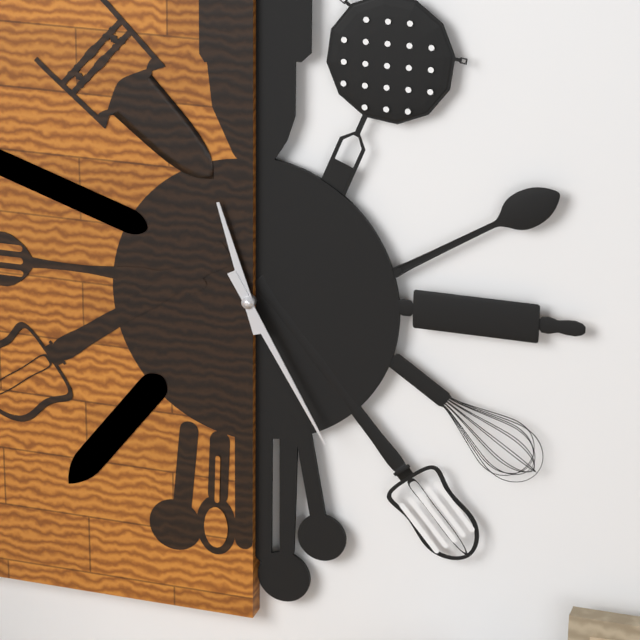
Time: 11h25
